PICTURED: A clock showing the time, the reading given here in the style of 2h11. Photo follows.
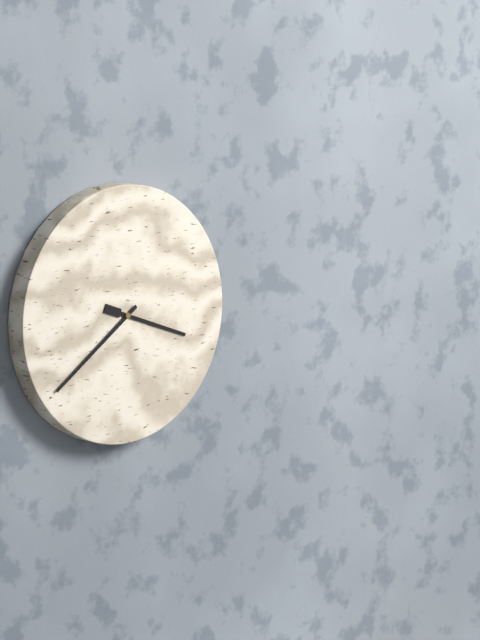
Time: 3h39
